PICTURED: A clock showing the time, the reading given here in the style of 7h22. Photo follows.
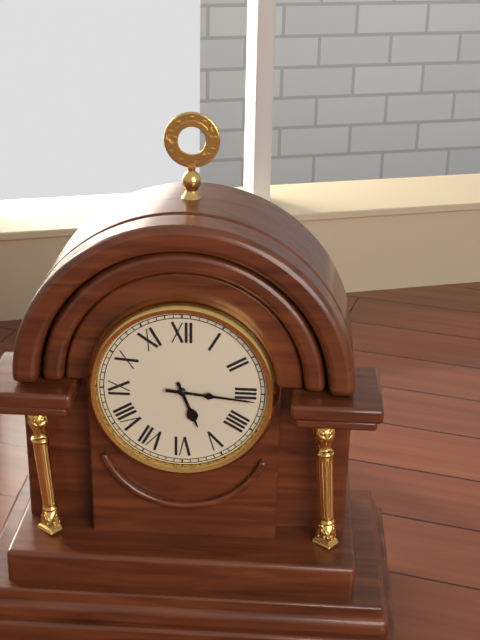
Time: 5h16
